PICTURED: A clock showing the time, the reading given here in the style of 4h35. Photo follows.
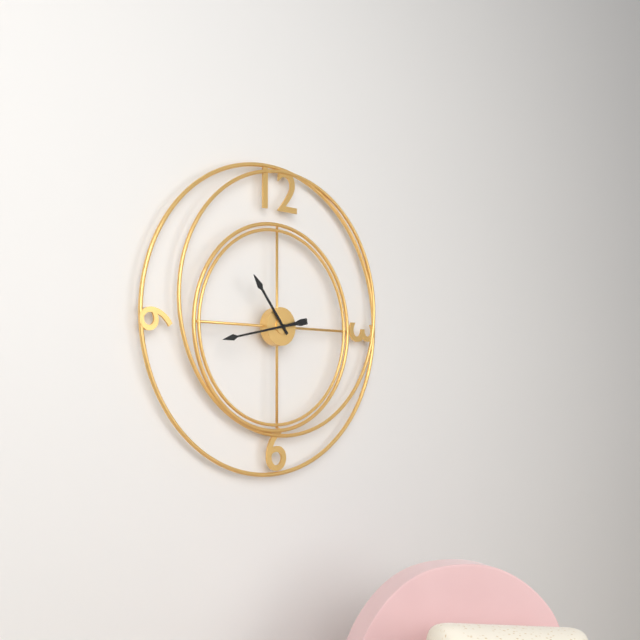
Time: 10h43
